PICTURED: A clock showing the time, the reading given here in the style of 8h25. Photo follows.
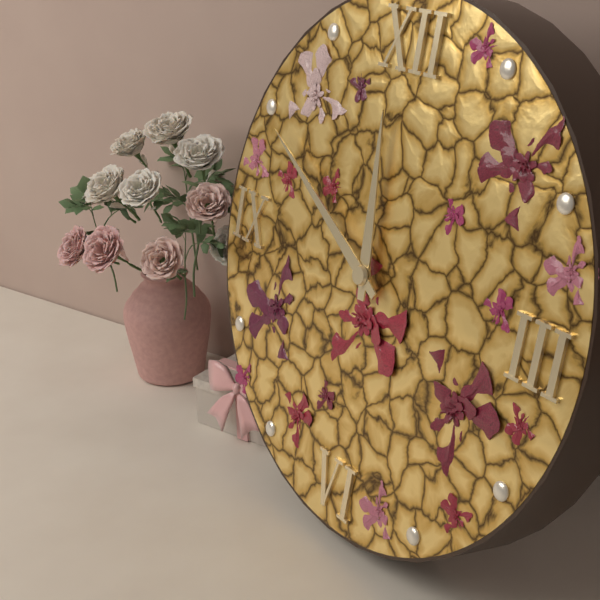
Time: 11h50
